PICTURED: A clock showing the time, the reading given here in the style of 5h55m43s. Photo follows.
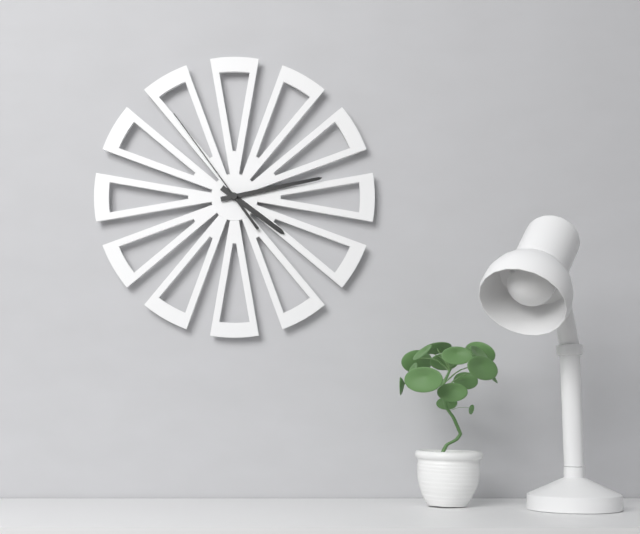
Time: 4h13m54s
